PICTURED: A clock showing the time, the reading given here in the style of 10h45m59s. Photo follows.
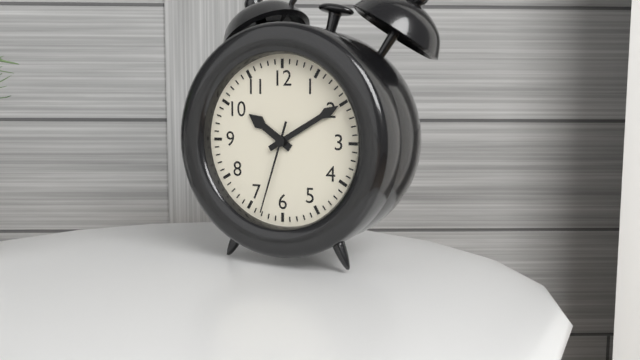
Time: 10h10m33s
